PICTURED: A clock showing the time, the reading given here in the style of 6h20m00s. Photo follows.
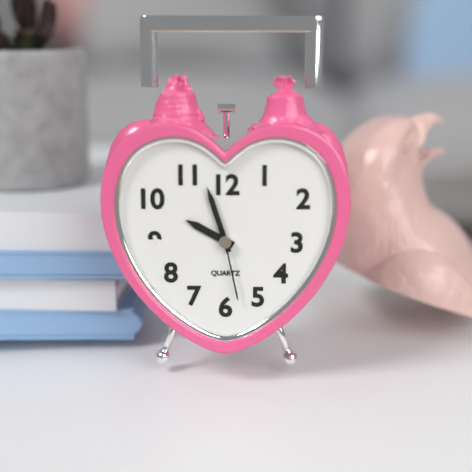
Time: 9h57m28s
